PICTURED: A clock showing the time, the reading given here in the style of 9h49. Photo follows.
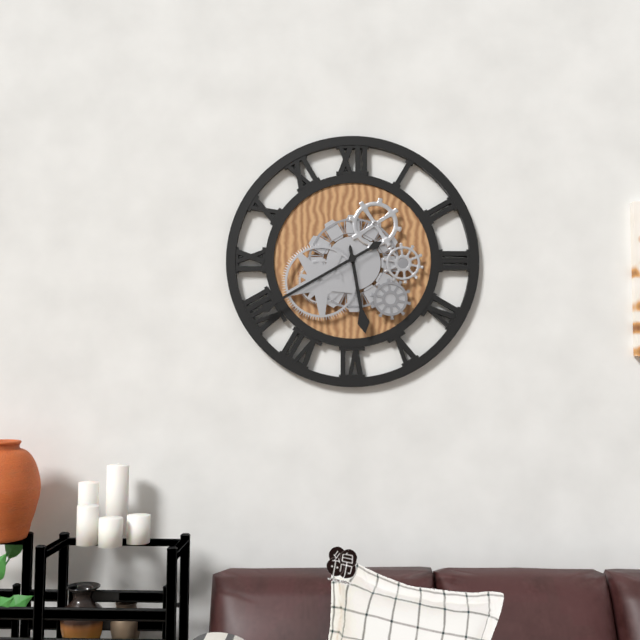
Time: 5h40
